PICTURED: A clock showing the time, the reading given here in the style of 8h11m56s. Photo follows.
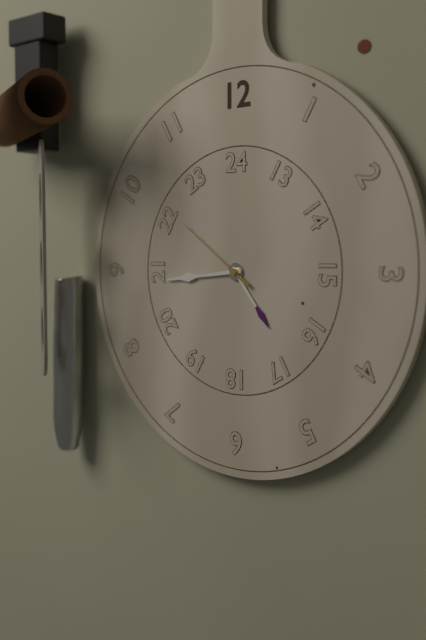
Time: 4h44m51s
